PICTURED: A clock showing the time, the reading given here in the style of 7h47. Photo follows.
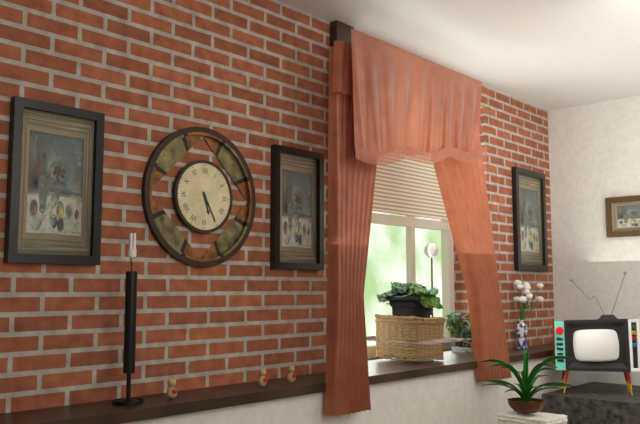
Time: 5h25
